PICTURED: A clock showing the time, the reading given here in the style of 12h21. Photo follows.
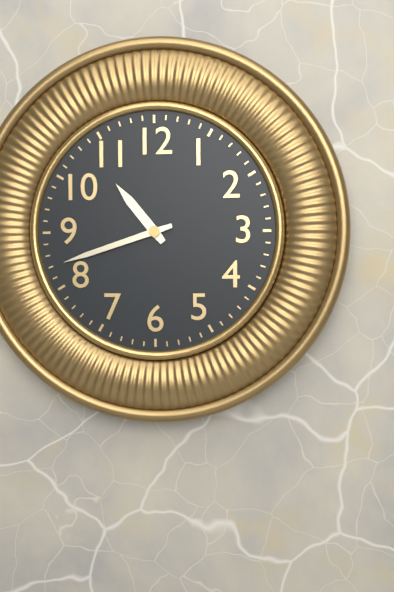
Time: 10h42
